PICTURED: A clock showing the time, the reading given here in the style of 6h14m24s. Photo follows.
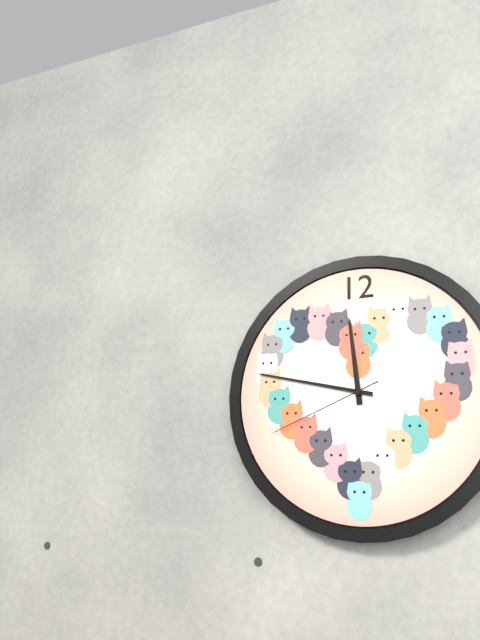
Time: 11h47m41s
